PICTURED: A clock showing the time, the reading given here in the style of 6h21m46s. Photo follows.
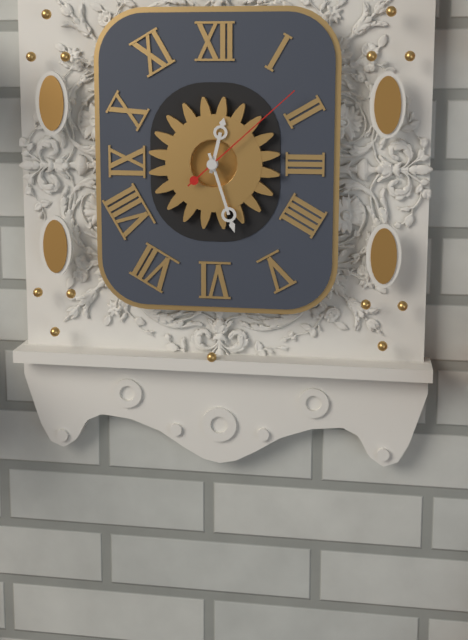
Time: 12h27m08s
